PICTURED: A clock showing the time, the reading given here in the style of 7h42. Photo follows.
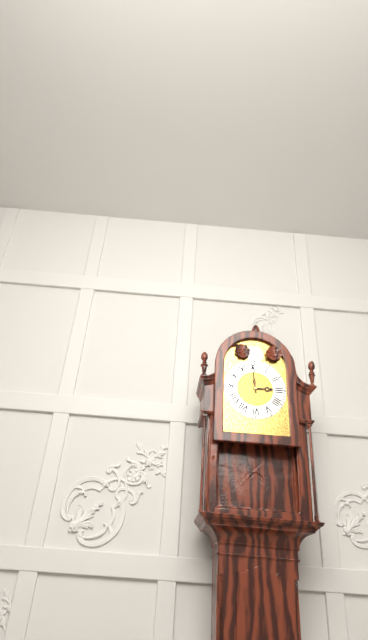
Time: 2h59
